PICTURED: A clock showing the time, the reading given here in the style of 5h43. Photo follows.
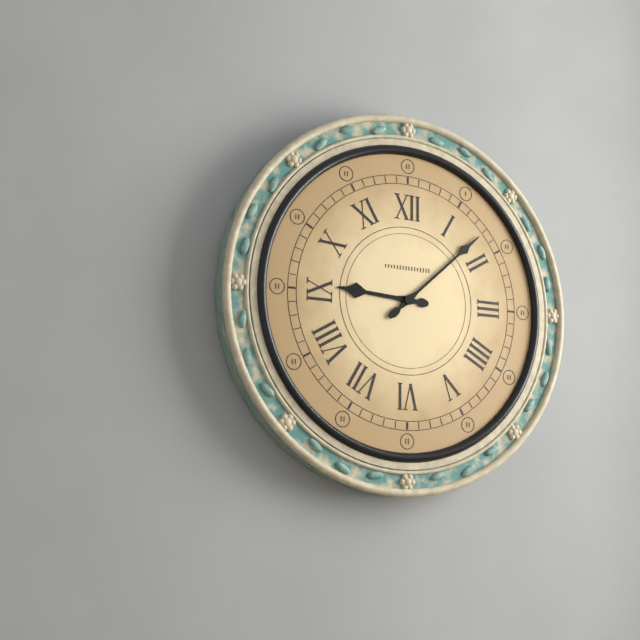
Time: 9h08
